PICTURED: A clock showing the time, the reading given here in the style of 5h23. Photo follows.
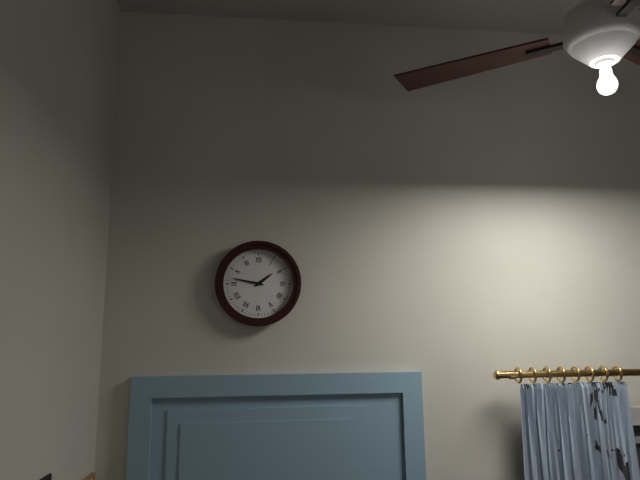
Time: 1h47
